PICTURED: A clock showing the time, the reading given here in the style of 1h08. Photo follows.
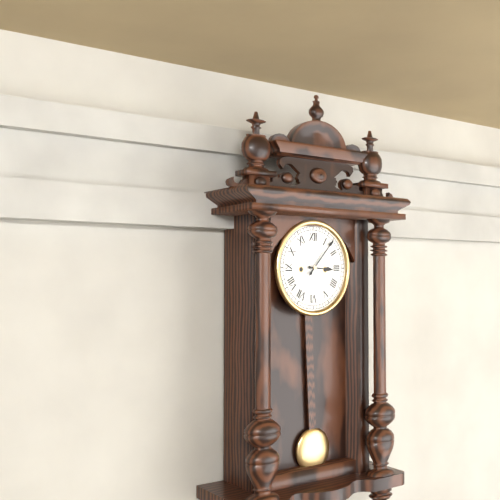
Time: 3h07
